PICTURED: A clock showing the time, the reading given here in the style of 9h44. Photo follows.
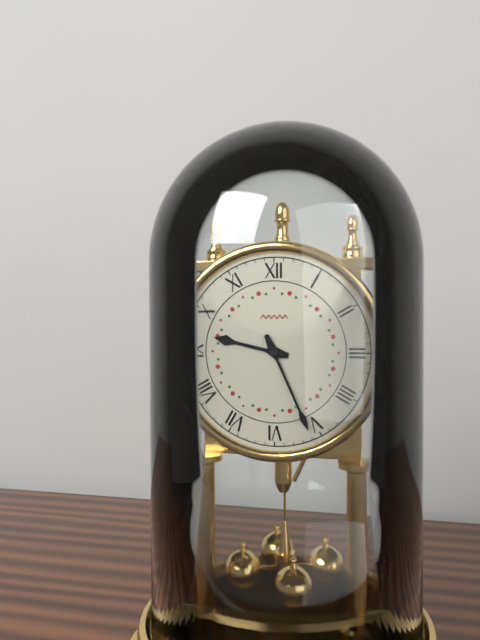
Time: 9h26
